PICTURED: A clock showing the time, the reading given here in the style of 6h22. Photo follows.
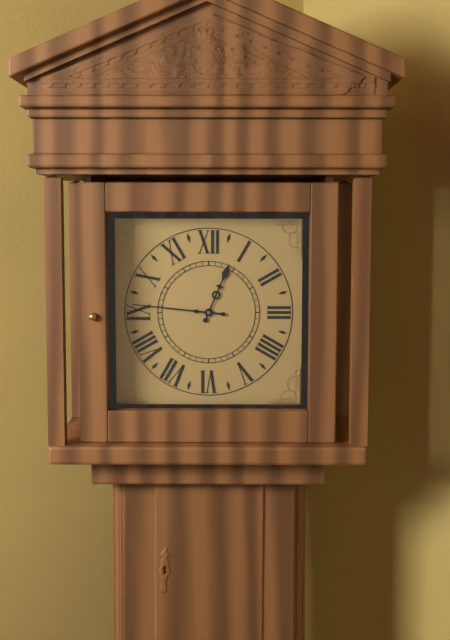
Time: 12h46
